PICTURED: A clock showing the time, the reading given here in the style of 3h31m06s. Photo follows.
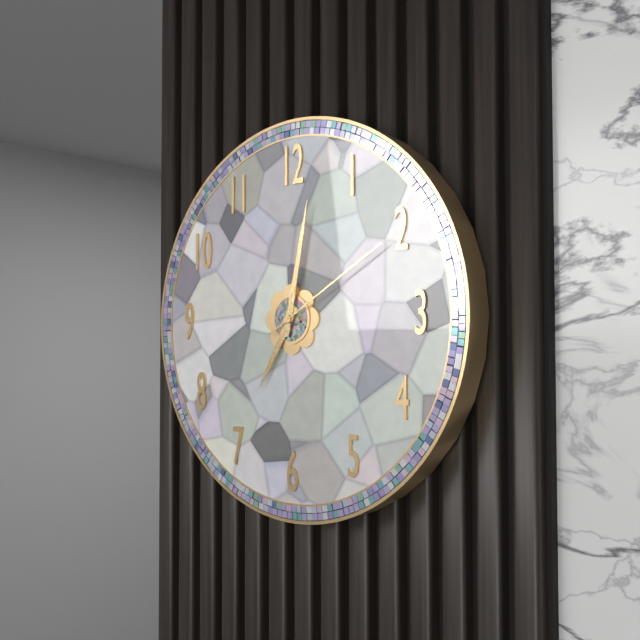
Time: 7h02m10s
